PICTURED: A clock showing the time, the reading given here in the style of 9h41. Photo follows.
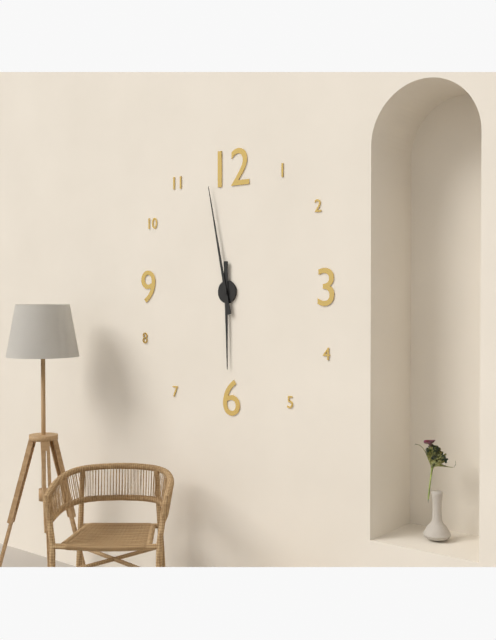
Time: 5h58
